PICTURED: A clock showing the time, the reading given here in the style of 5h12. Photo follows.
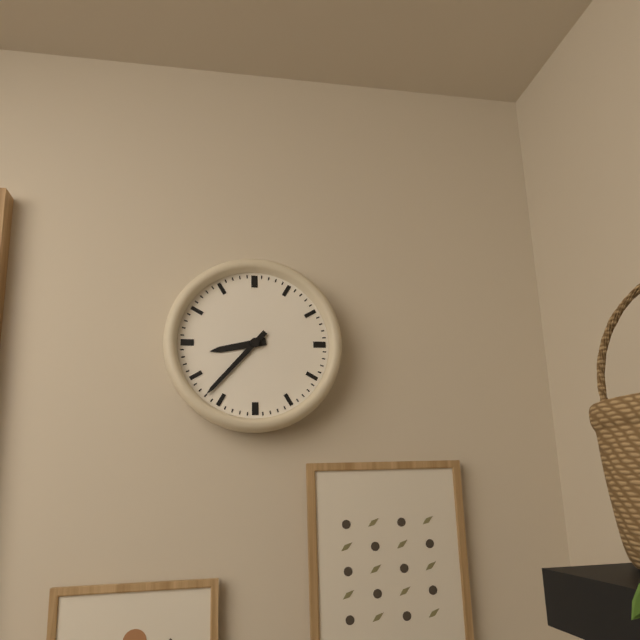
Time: 8h37
